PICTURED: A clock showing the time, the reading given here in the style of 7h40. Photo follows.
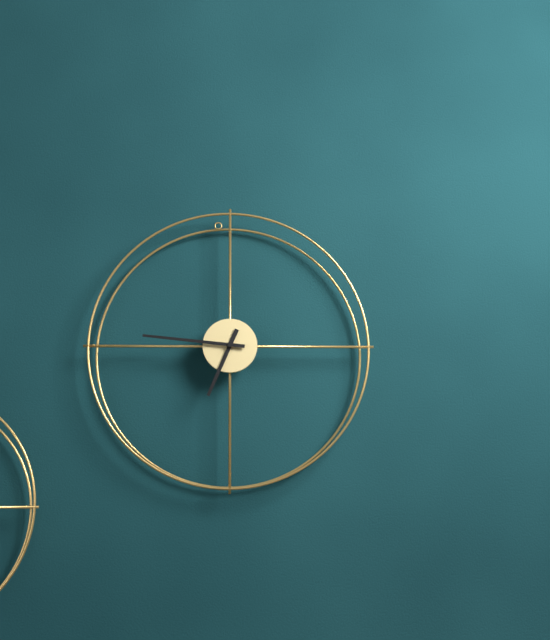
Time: 6h46
